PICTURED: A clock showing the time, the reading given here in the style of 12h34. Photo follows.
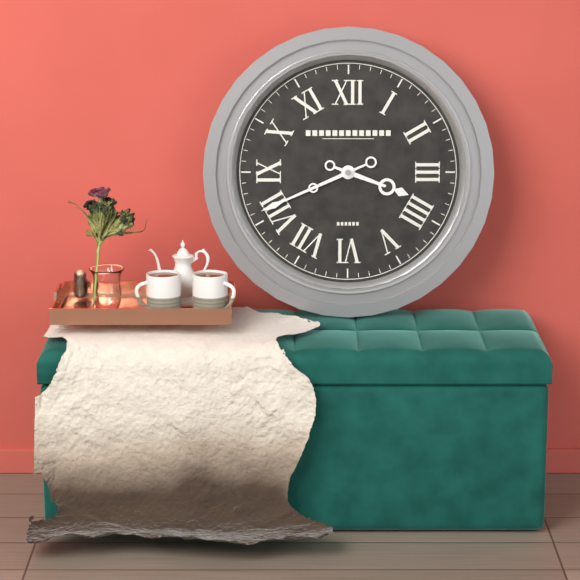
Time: 3h41
